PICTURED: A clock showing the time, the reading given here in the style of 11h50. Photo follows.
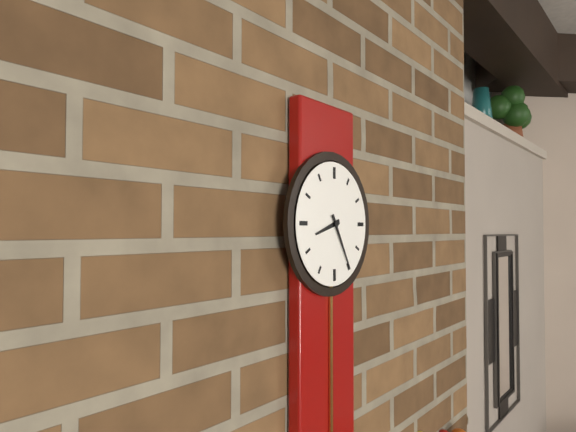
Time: 8h25
